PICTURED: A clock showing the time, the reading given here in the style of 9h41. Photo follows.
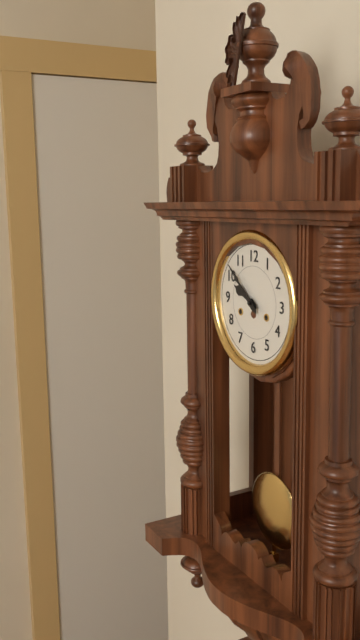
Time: 9h52
